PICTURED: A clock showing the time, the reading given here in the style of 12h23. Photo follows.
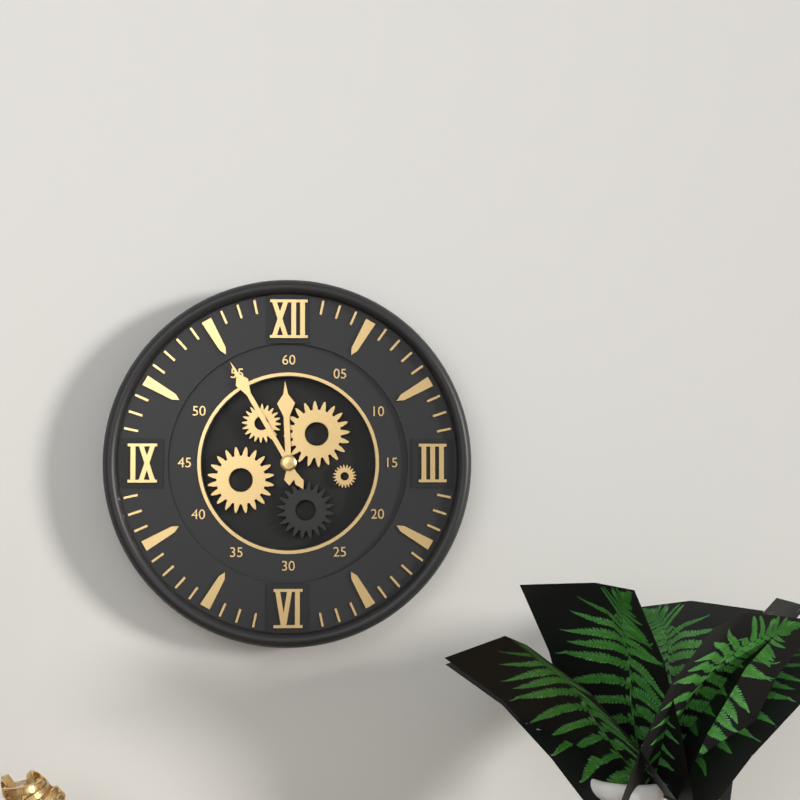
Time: 11h55
